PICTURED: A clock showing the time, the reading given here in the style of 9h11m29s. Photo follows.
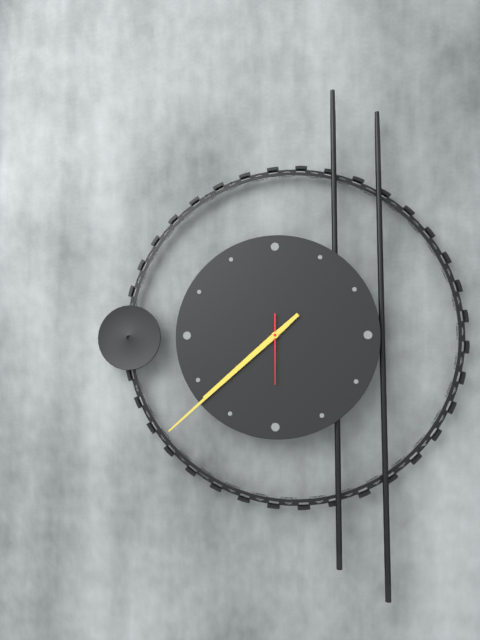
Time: 7h38m30s
